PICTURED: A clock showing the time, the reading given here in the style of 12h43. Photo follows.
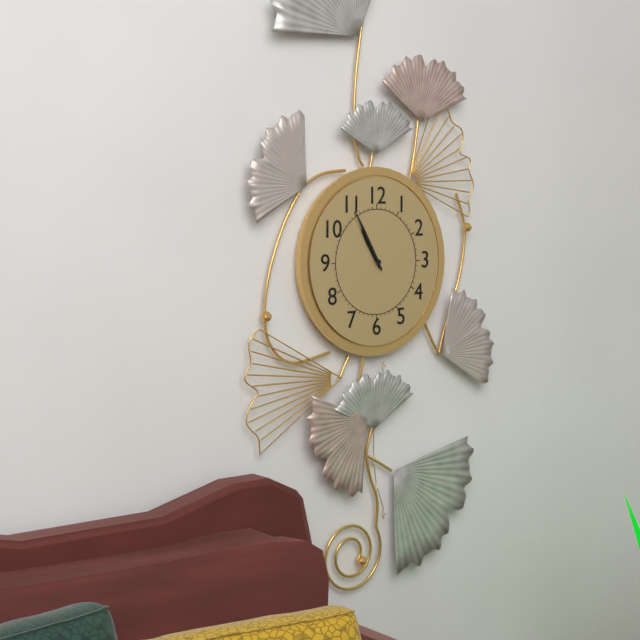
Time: 10h55
